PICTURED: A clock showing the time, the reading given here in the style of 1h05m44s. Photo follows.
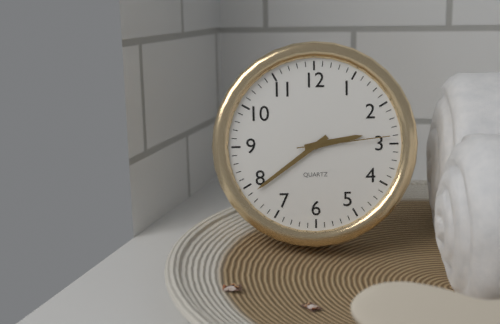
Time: 2h39m14s
